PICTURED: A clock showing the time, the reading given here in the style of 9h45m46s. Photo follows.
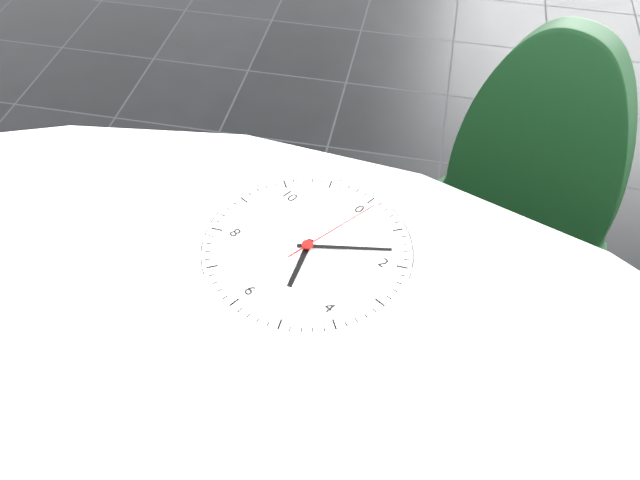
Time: 5h08m01s
